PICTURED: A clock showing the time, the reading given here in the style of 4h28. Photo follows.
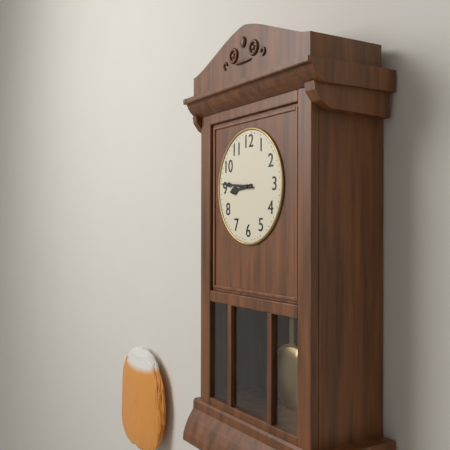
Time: 8h46
